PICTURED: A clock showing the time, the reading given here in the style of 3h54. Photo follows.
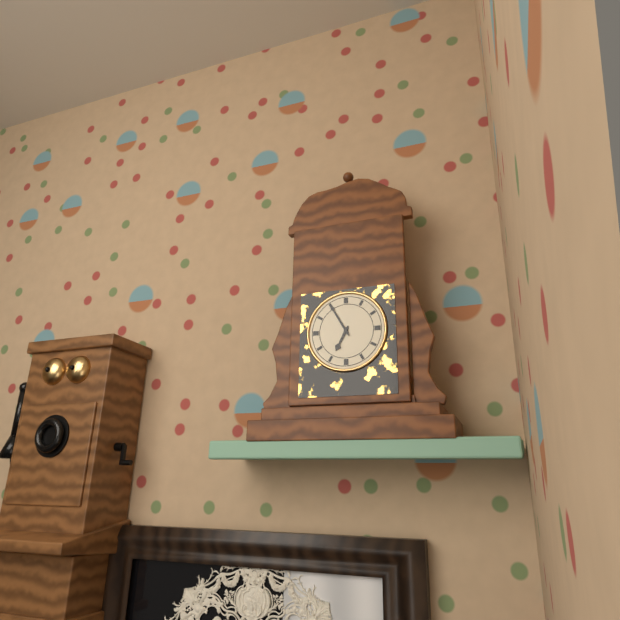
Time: 6h55
